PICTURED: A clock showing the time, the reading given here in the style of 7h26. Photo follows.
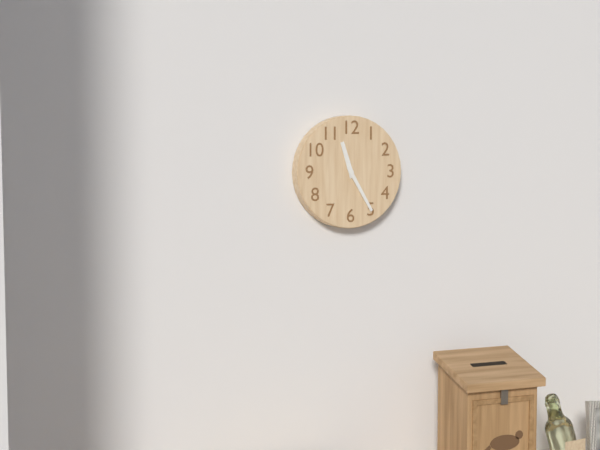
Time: 11h25
